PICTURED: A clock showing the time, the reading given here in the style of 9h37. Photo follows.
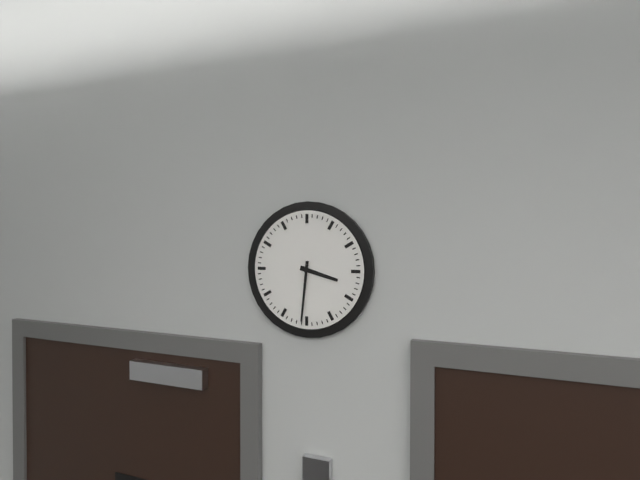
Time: 3h31
